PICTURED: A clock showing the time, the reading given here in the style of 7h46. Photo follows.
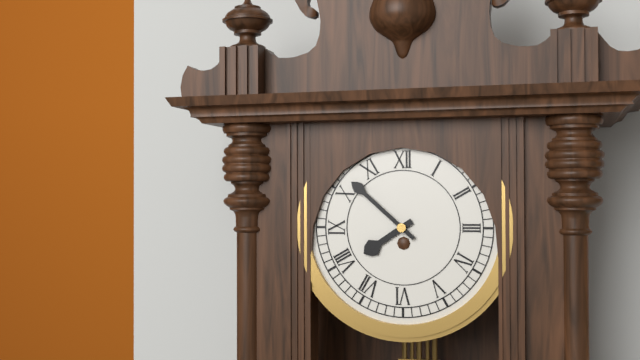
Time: 7h52
